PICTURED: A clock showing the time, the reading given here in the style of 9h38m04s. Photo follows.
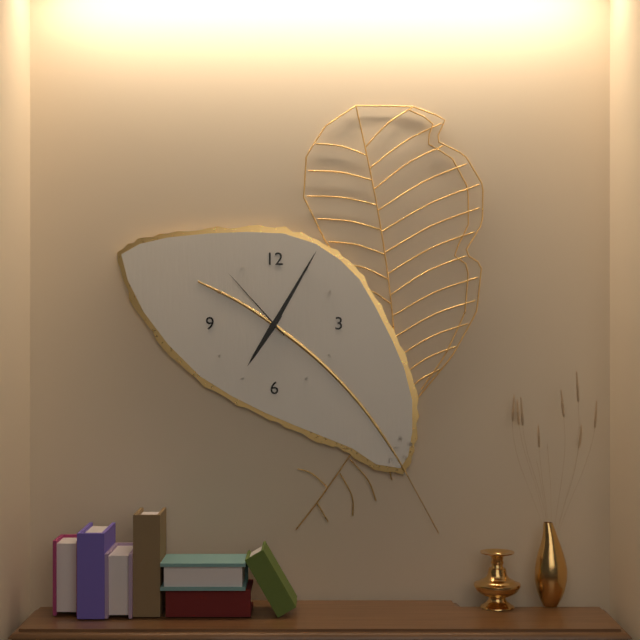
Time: 7h05m53s
